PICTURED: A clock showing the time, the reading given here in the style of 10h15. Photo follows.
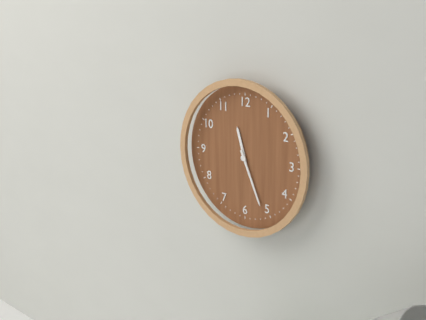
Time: 11h26
